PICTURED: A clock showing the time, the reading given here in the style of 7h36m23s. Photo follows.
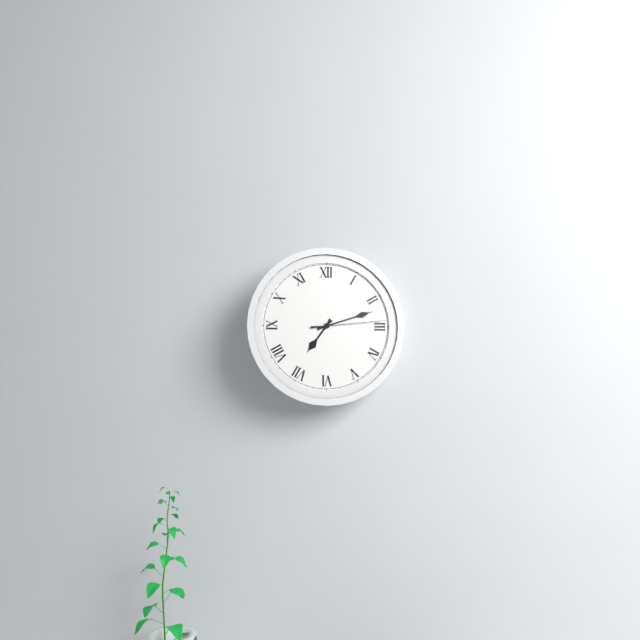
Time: 7h12m14s
